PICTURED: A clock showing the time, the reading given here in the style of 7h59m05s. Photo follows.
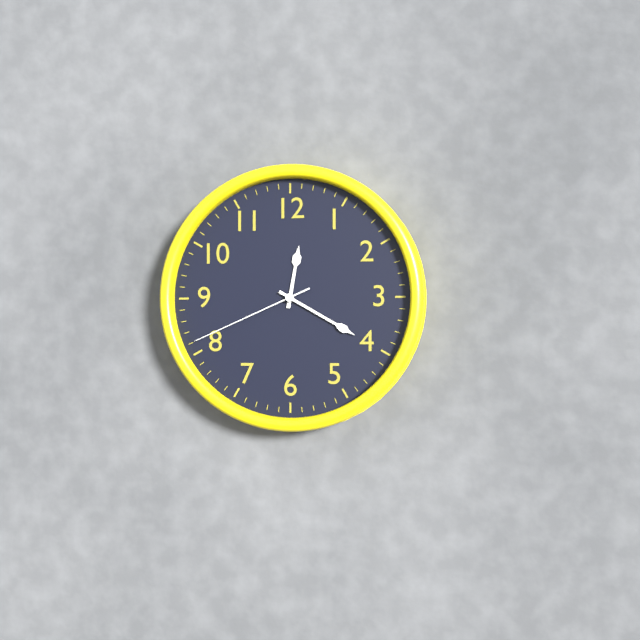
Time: 12h20m41s
